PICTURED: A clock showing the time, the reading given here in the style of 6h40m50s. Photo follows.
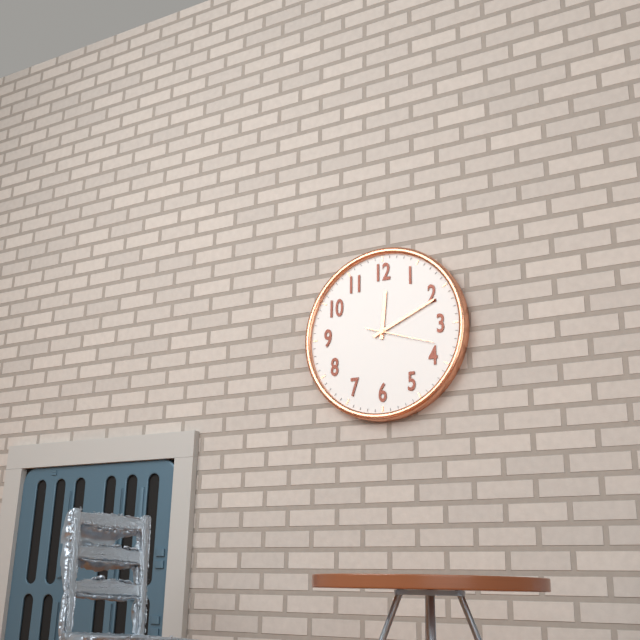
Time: 12h11m18s
